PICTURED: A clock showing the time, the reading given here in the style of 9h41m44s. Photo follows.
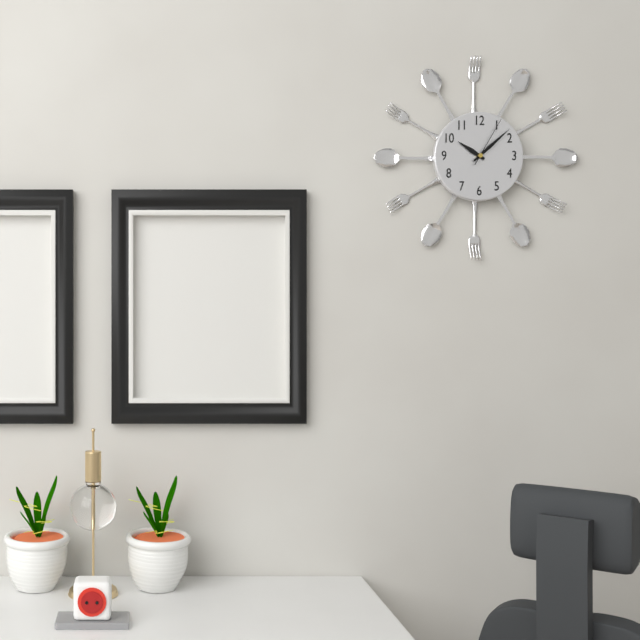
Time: 10h08m05s
